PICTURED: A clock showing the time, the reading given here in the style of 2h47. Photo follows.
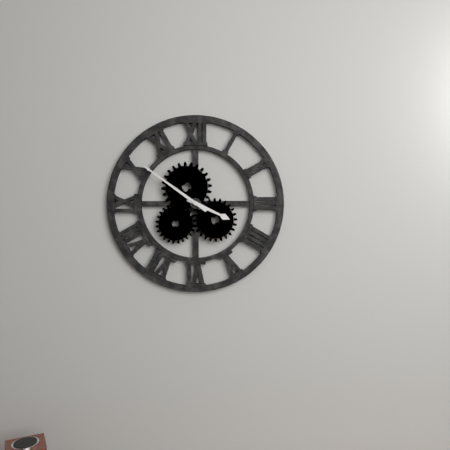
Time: 3h51
